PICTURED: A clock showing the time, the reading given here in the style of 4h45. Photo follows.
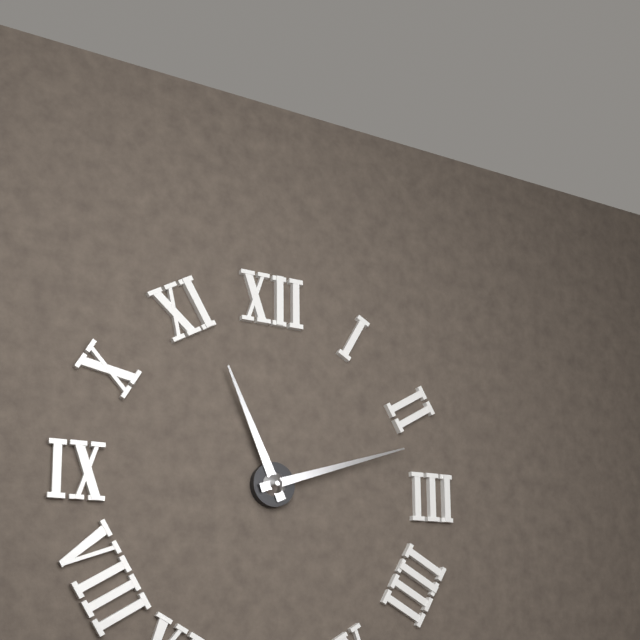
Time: 11h12
